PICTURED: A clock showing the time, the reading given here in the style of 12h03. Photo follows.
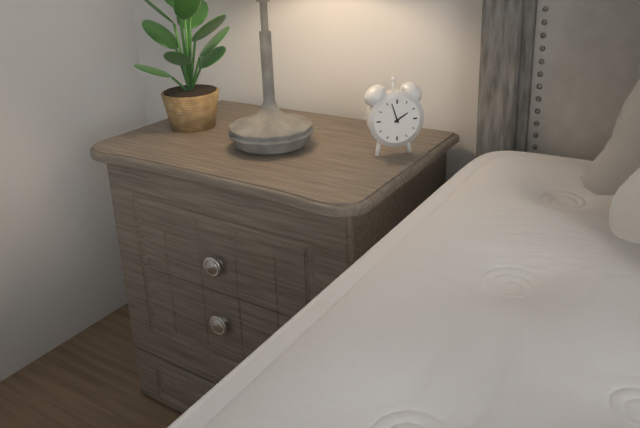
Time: 1h57
